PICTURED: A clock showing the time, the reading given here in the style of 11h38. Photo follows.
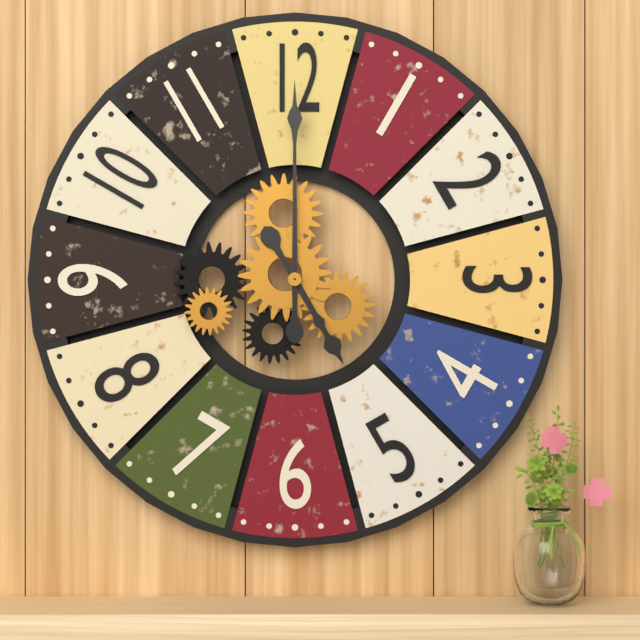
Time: 5h00
